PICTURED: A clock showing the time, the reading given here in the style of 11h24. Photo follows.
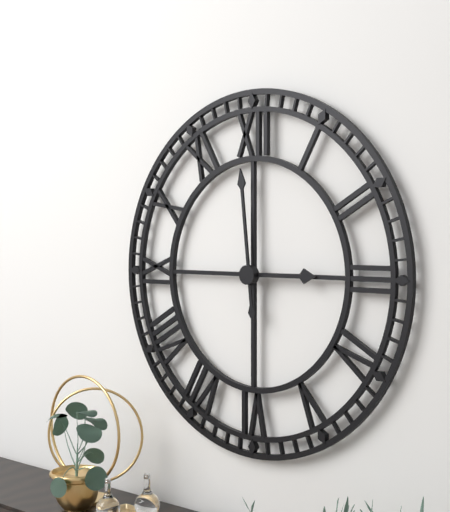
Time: 2h59
